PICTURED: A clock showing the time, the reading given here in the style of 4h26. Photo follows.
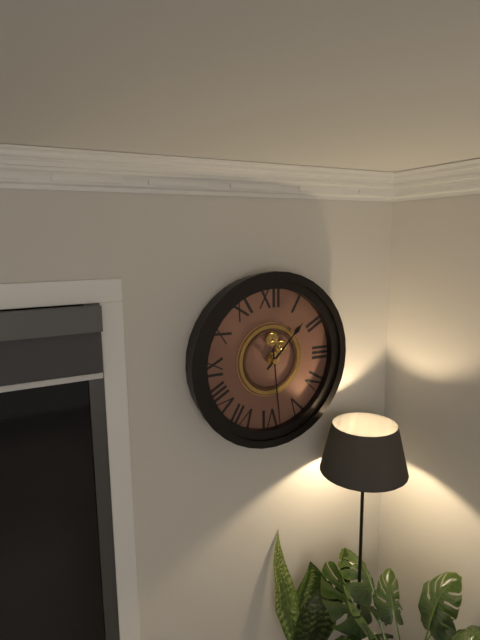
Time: 1h29
